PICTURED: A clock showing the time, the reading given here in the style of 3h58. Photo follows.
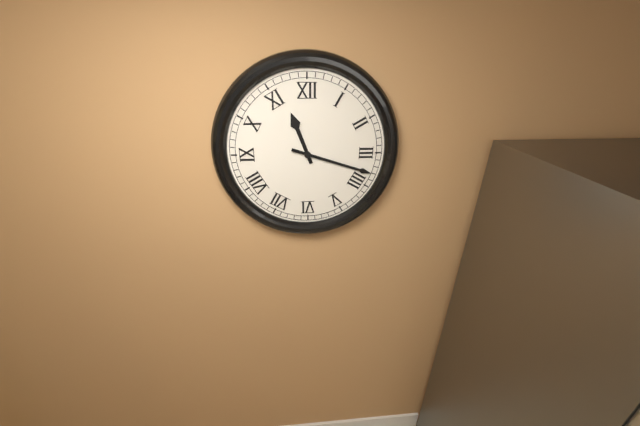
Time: 11h18
